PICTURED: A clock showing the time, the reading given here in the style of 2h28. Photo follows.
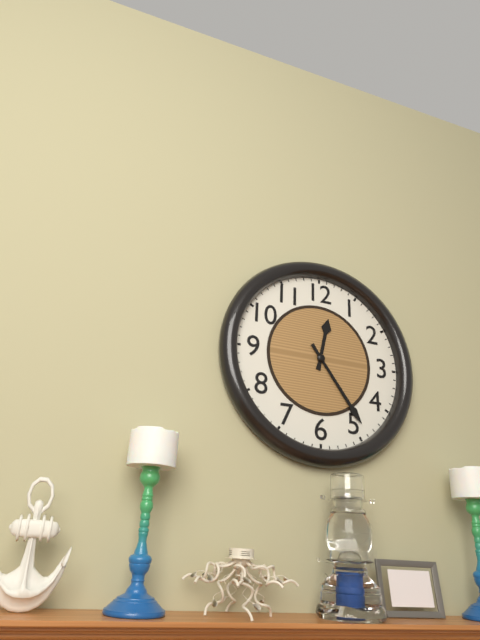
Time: 12h24
